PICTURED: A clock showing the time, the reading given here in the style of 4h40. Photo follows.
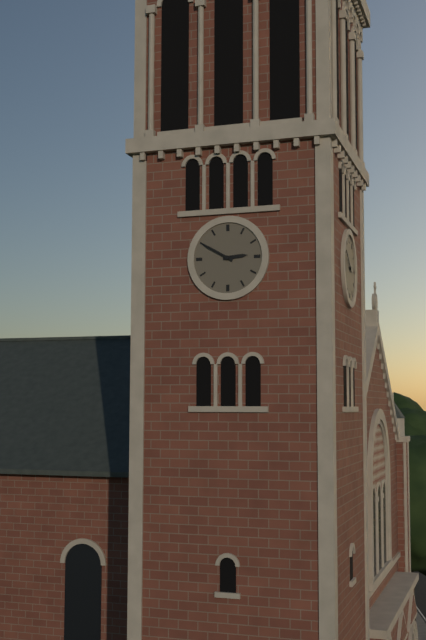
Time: 2h50
